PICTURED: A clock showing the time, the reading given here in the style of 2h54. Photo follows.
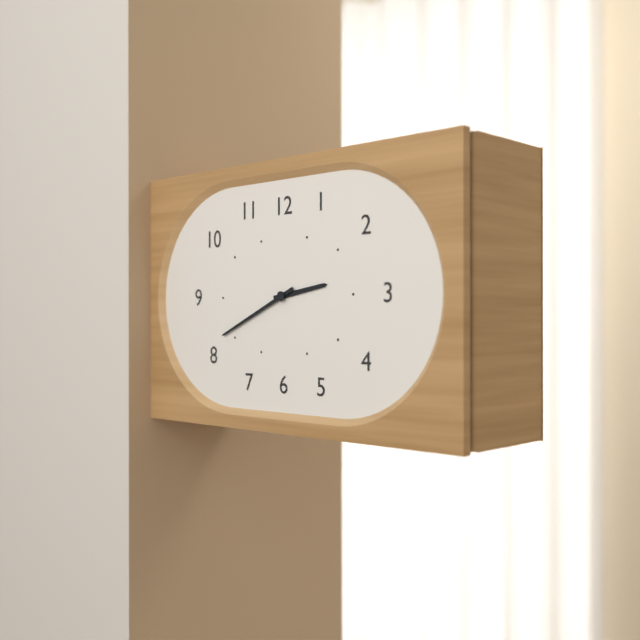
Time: 2h41
